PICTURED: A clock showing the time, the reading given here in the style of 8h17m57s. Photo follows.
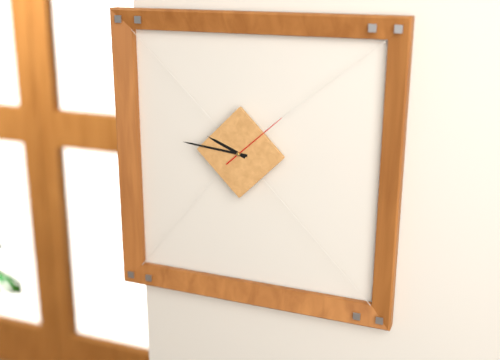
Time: 9h46m08s
